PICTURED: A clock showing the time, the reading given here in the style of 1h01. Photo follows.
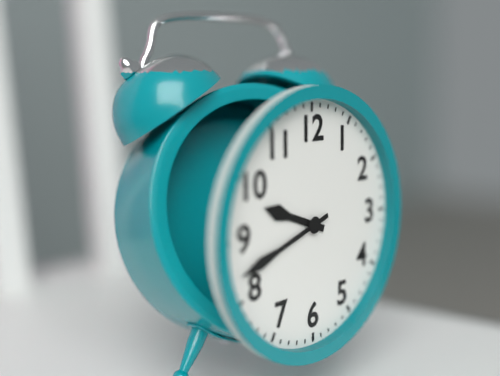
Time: 9h42
